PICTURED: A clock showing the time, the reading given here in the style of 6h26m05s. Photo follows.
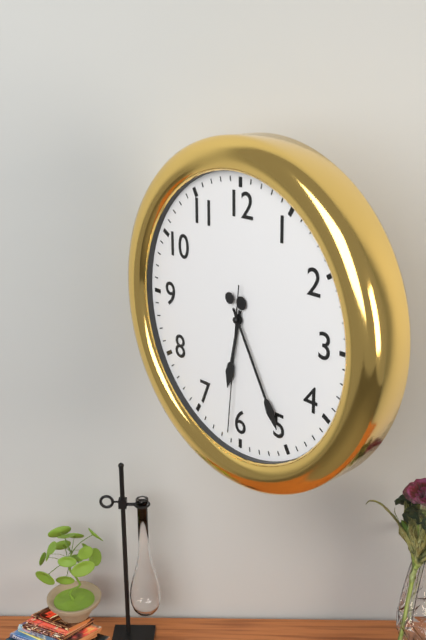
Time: 6h25m31s
